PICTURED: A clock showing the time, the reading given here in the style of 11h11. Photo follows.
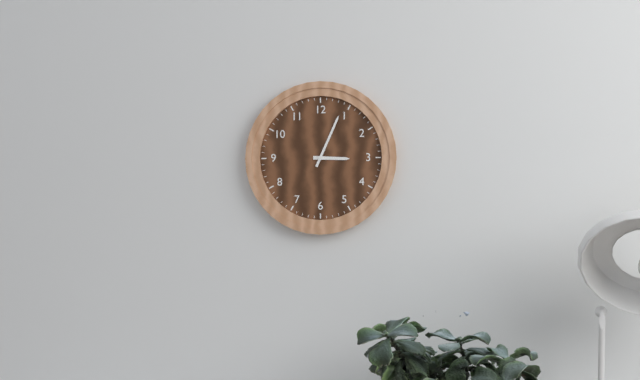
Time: 3h04
